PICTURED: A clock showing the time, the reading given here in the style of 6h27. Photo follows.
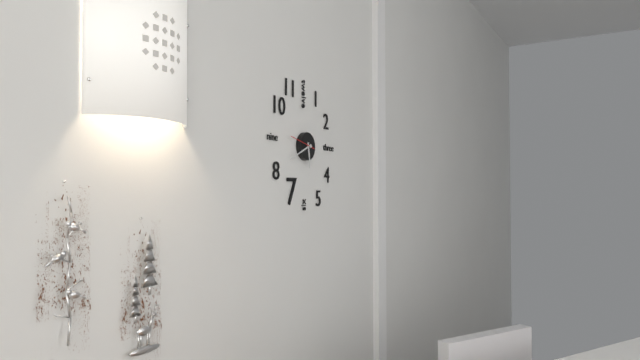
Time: 5h41
